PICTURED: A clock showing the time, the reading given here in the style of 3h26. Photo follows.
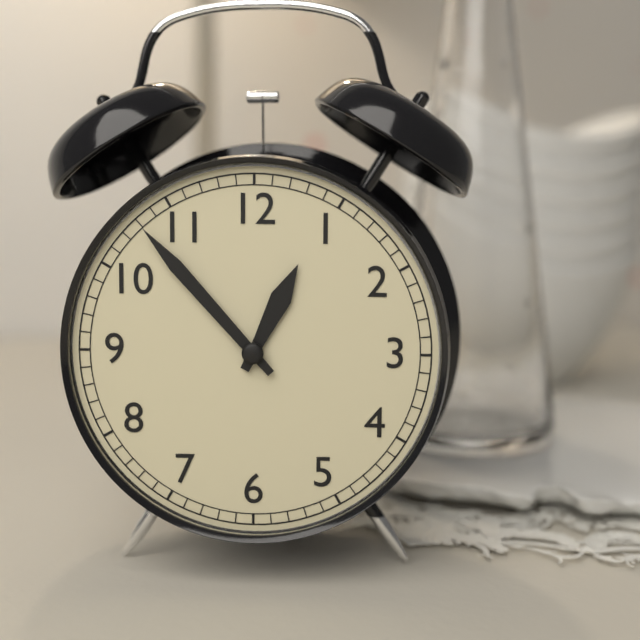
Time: 12h53
